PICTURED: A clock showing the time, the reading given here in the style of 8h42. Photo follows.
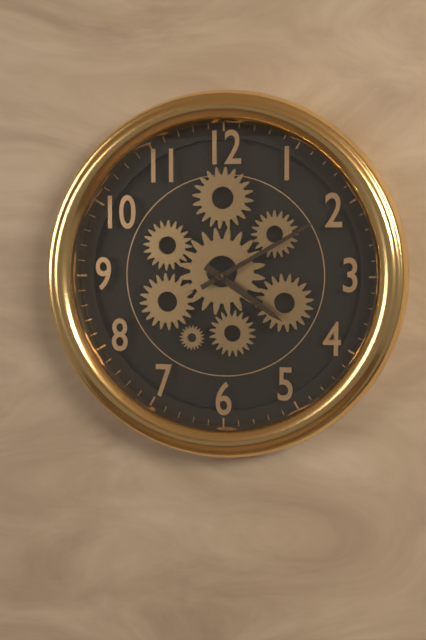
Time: 4h10
